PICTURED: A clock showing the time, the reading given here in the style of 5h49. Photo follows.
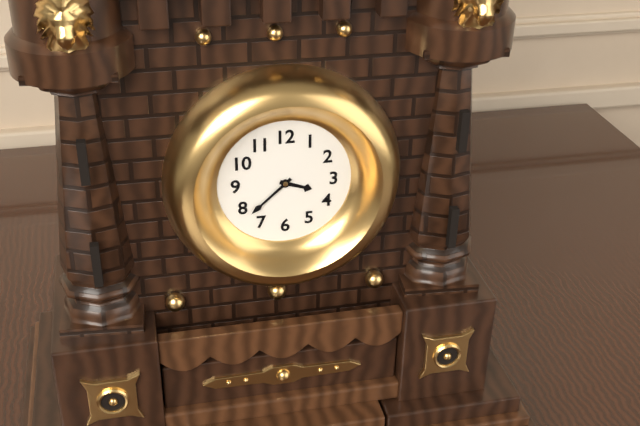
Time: 3h38
